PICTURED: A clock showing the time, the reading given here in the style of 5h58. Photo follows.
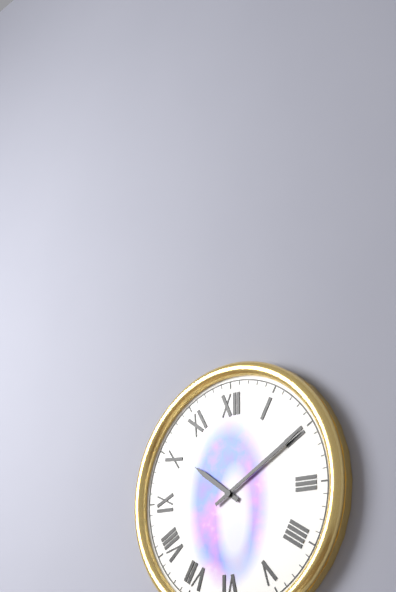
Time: 10h10
